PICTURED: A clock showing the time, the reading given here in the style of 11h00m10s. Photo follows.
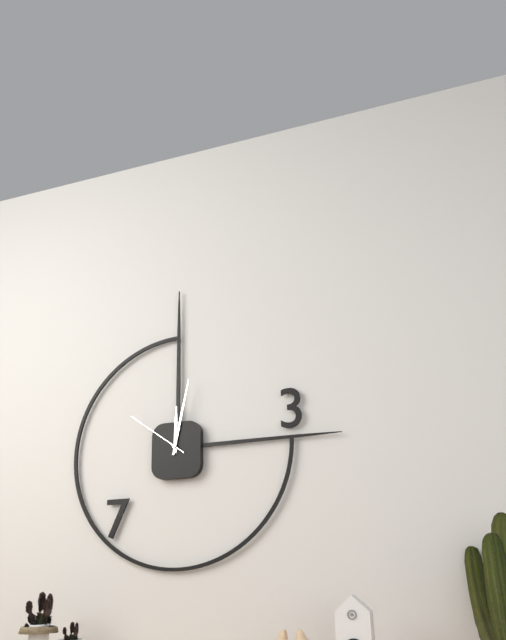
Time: 12h02m51s
